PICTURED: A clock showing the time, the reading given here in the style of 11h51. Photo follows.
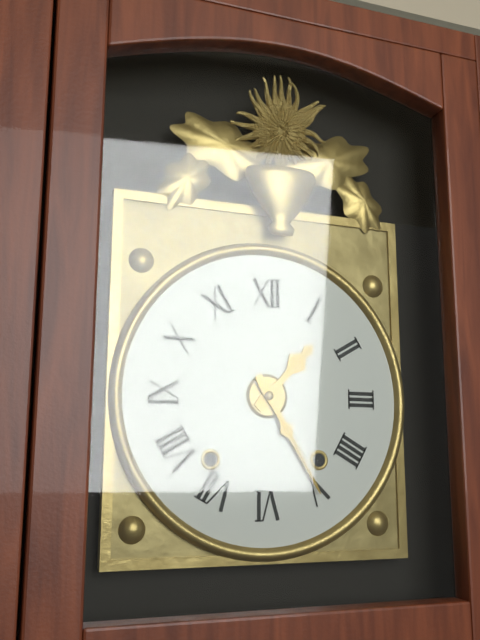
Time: 1h25
